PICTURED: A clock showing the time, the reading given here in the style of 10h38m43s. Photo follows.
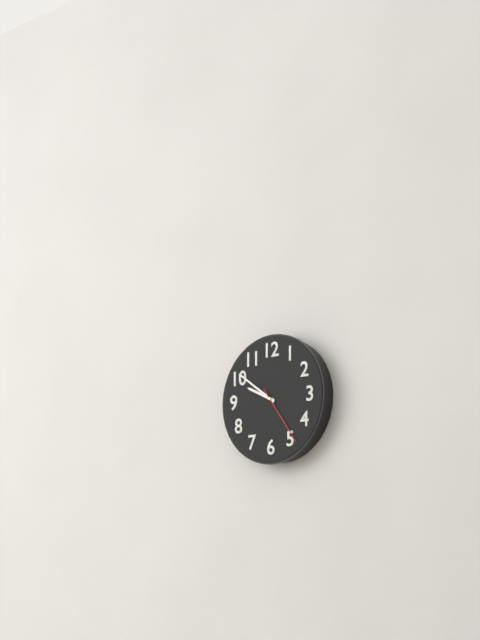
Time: 9h51m24s
